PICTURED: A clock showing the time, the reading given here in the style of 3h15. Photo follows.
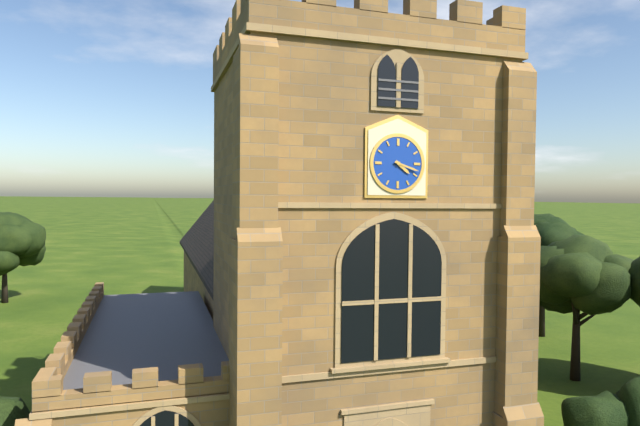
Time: 4h18
